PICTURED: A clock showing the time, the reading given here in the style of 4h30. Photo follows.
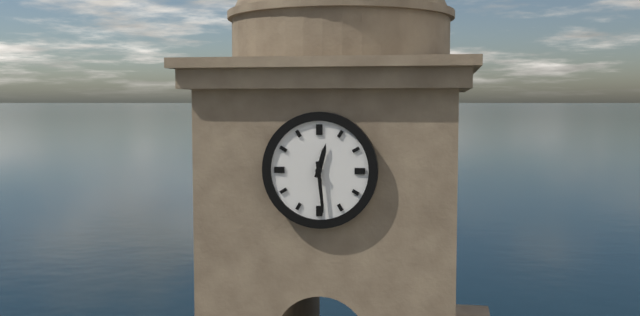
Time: 12h29
